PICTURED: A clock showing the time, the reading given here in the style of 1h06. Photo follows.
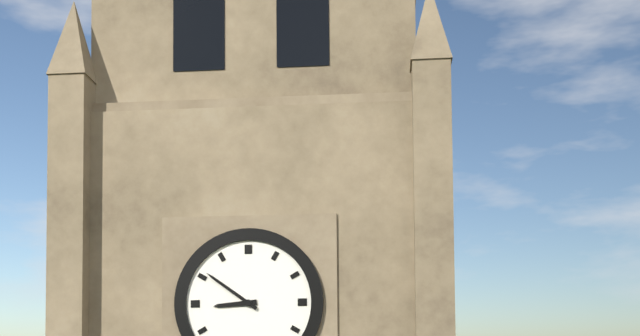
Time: 8h51
